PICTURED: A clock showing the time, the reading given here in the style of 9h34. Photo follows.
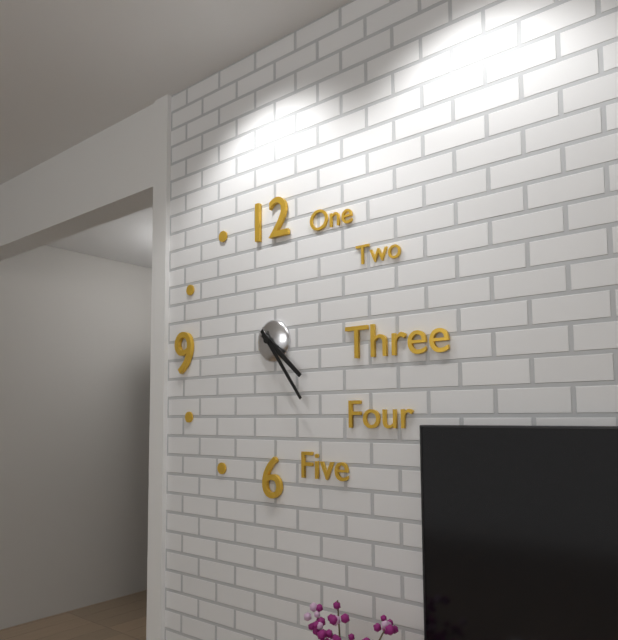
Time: 4h24
